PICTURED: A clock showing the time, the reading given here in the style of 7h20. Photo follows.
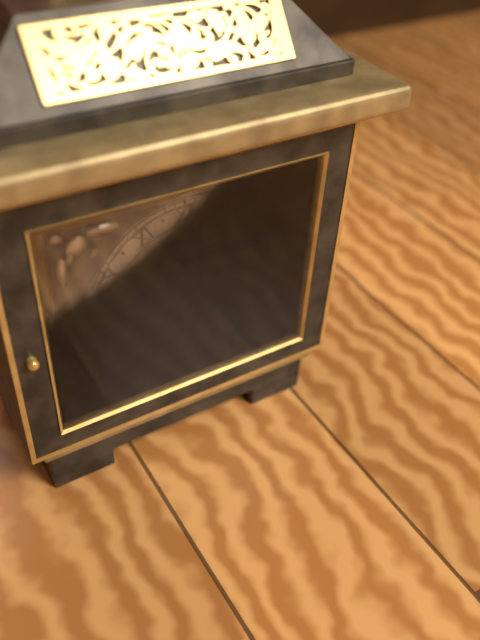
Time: 2h06
